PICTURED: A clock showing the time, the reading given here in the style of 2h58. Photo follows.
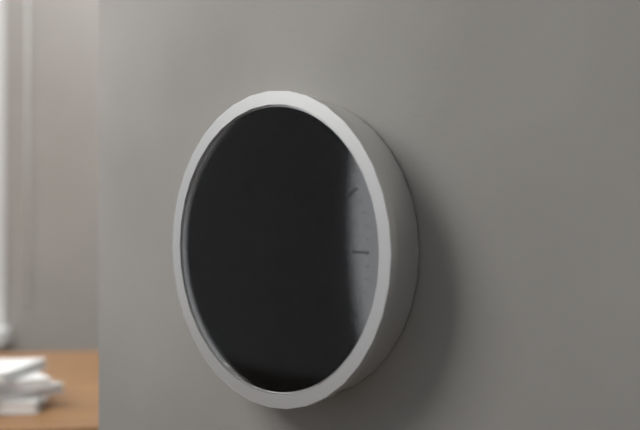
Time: 2h27
